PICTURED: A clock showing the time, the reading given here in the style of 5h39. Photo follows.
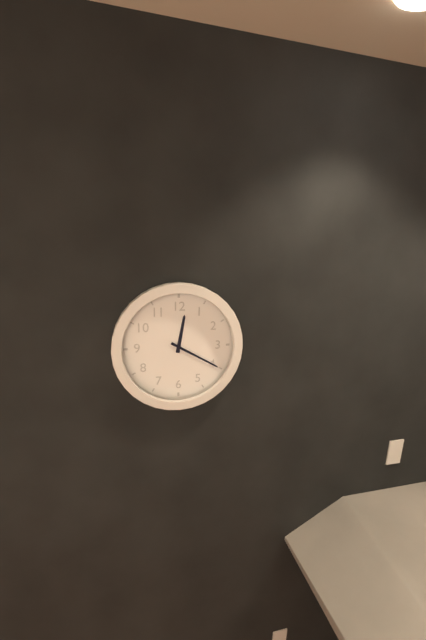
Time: 12h20
